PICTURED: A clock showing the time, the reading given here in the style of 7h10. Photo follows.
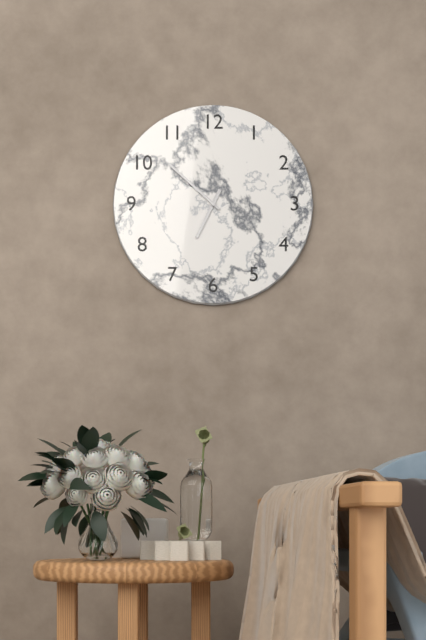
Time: 6h52
